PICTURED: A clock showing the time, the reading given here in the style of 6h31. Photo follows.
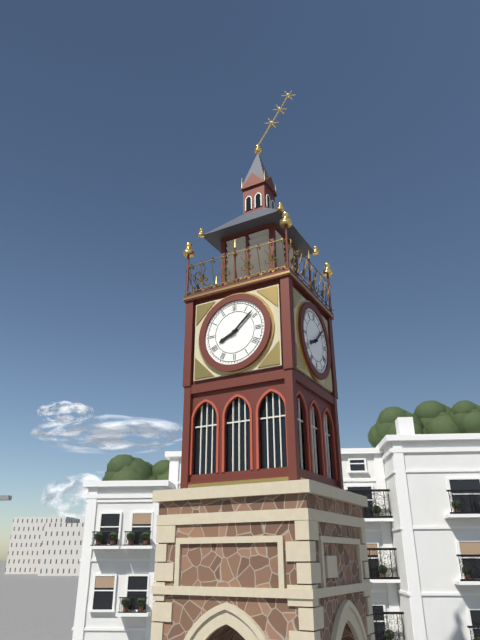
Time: 8h08
